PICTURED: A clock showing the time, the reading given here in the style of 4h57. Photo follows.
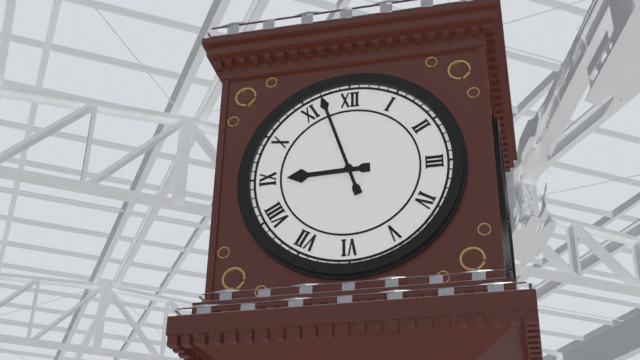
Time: 8h57
